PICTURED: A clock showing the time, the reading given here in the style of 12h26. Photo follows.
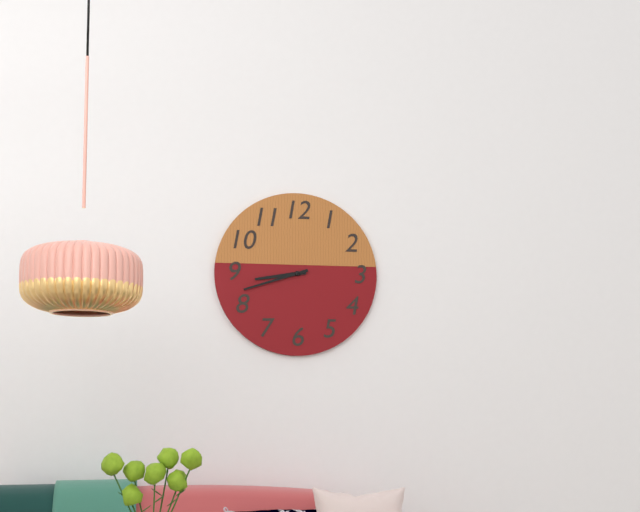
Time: 8h42
